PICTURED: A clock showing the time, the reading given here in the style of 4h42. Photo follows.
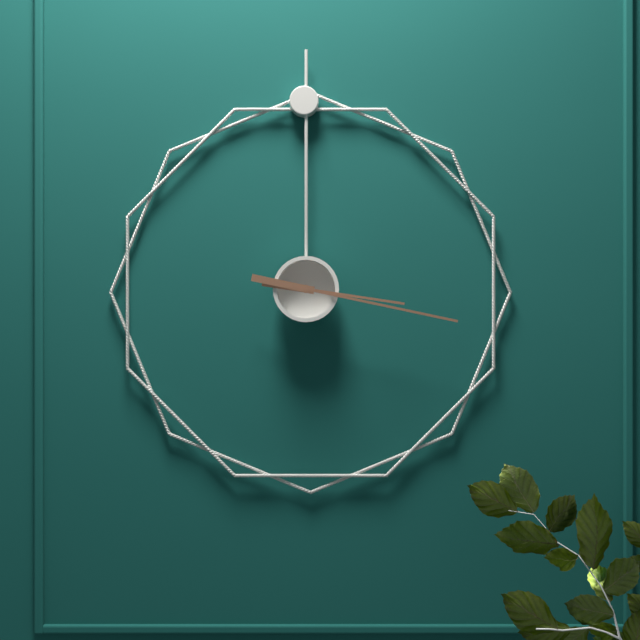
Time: 3h17
